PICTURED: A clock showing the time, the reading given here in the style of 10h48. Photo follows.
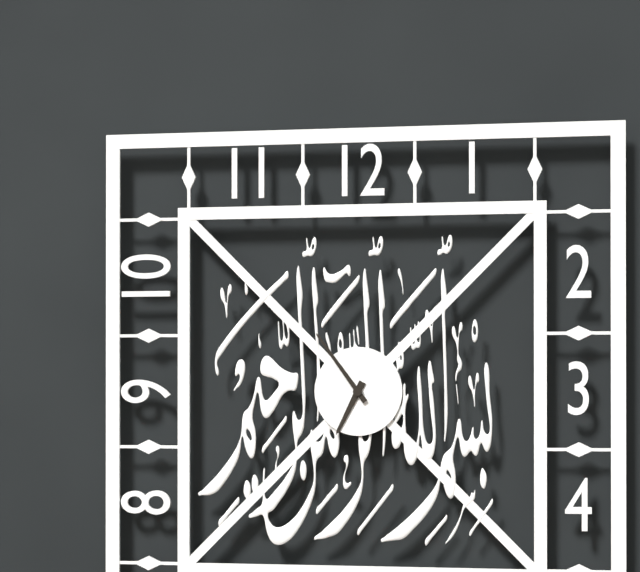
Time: 6h54
